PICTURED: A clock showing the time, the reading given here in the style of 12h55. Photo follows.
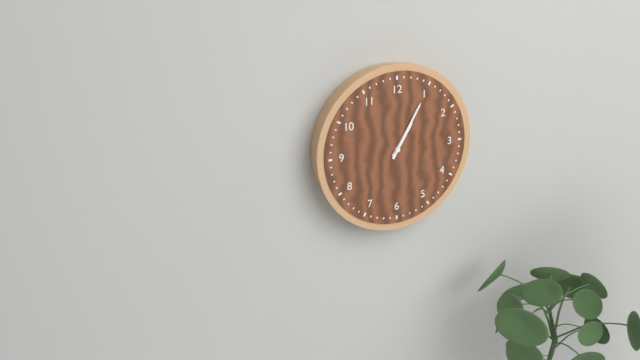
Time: 1h05
